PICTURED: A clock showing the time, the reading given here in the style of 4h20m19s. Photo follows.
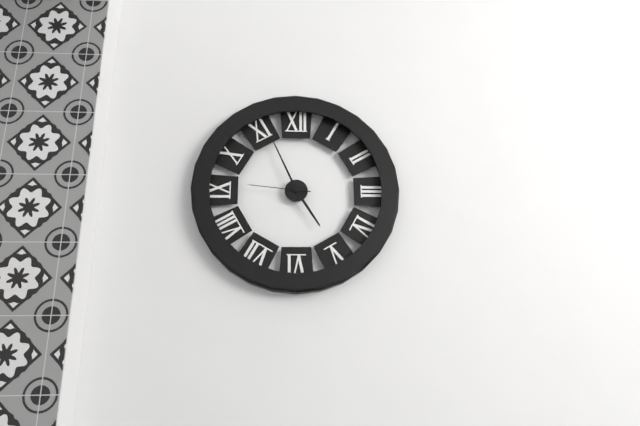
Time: 4h56m46s
